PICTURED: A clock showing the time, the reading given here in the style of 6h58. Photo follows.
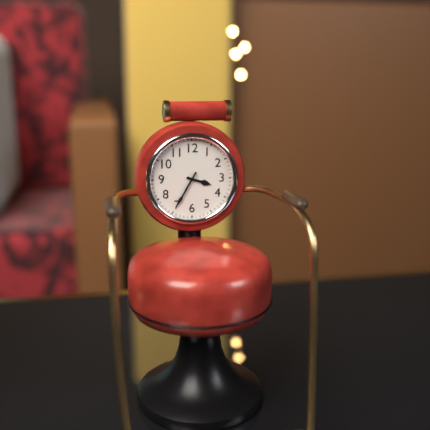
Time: 3h35
